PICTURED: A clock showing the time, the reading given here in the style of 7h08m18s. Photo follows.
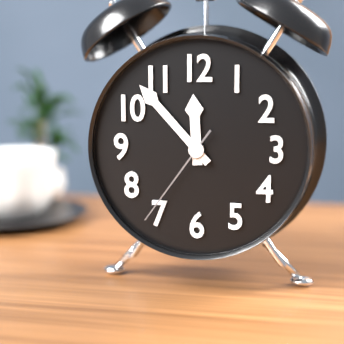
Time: 11h53m36s
